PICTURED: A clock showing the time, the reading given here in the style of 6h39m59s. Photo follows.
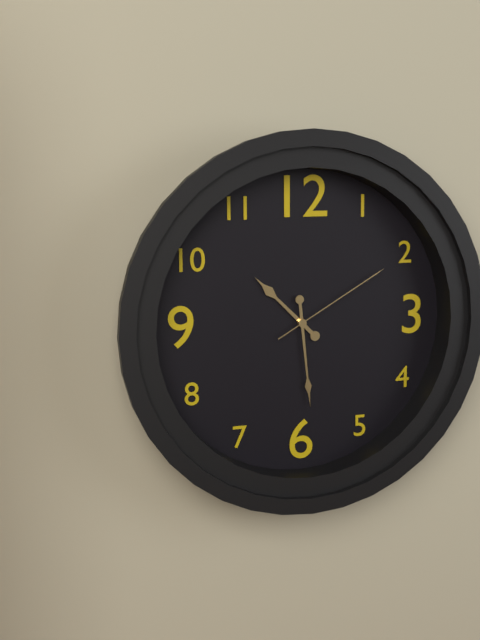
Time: 10h29m10s
